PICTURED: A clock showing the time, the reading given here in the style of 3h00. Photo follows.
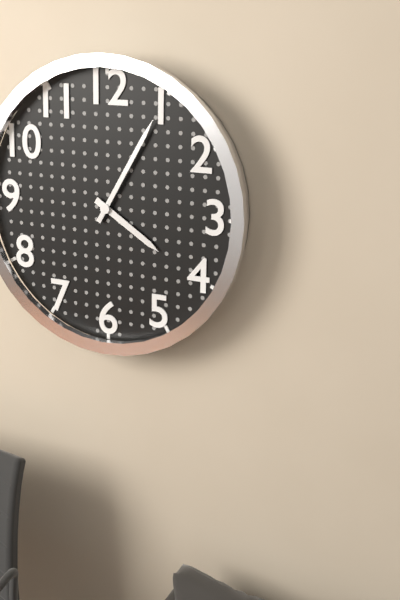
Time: 4h05
